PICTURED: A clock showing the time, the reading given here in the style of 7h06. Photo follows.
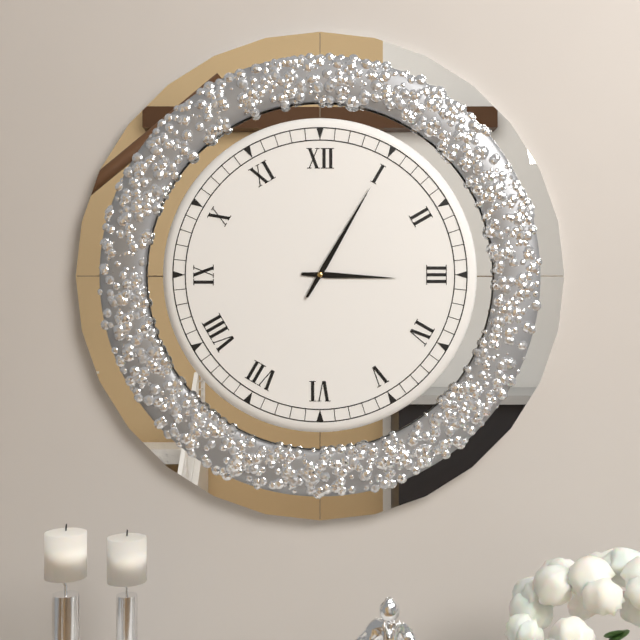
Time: 3h05
